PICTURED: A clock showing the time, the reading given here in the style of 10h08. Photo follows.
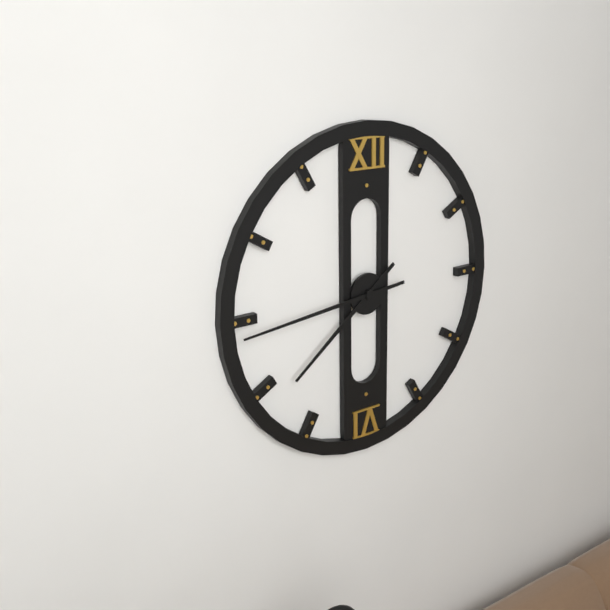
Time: 7h44
